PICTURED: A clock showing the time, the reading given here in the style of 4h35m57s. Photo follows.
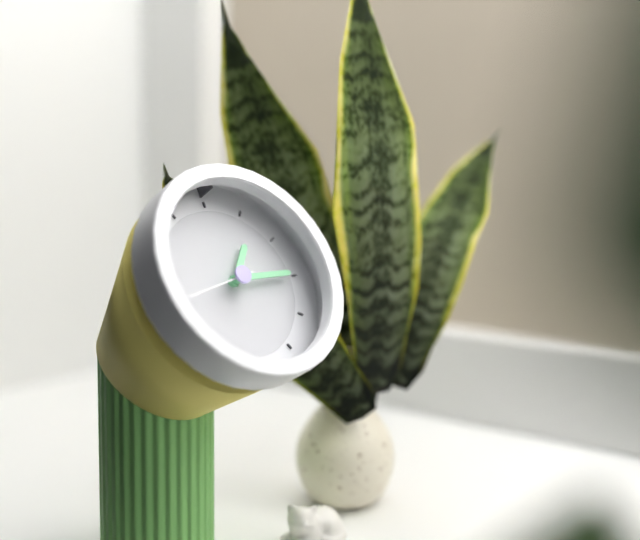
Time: 1h15m43s
